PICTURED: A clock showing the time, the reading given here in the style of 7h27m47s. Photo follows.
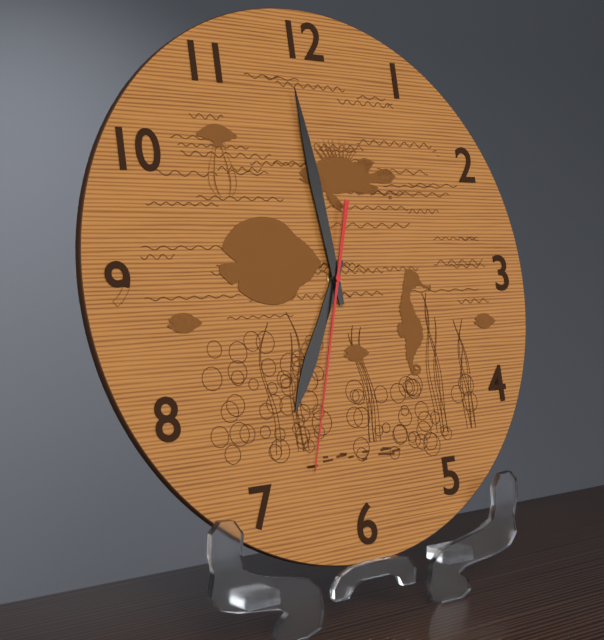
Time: 6h59m33s
